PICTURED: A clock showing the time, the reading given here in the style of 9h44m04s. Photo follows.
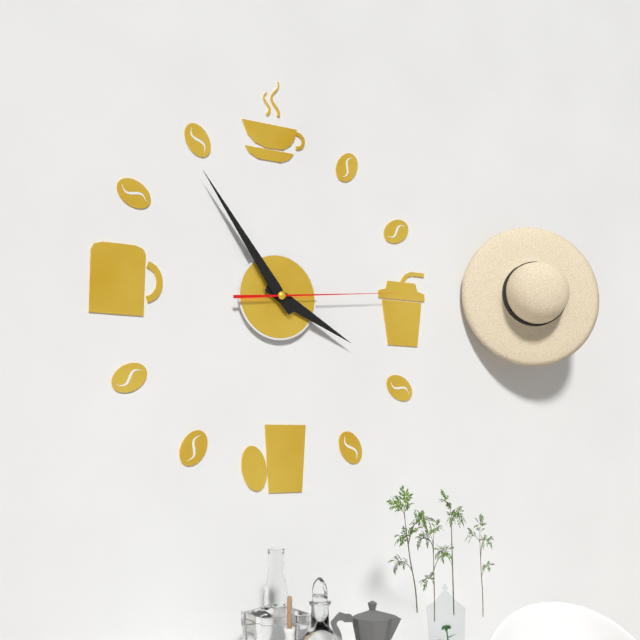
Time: 3h54m14s
